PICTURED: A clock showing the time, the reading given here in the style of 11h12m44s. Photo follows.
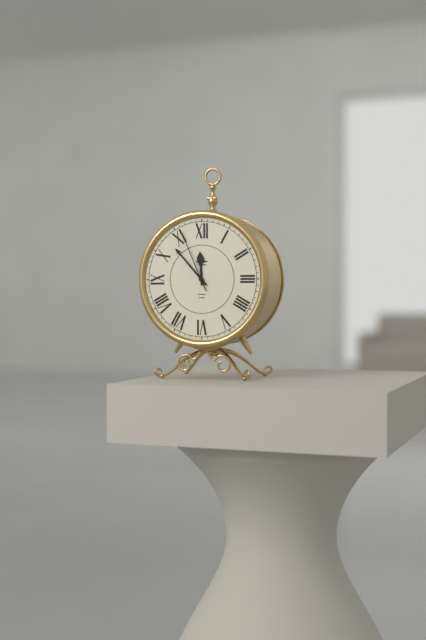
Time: 11h53m56s
